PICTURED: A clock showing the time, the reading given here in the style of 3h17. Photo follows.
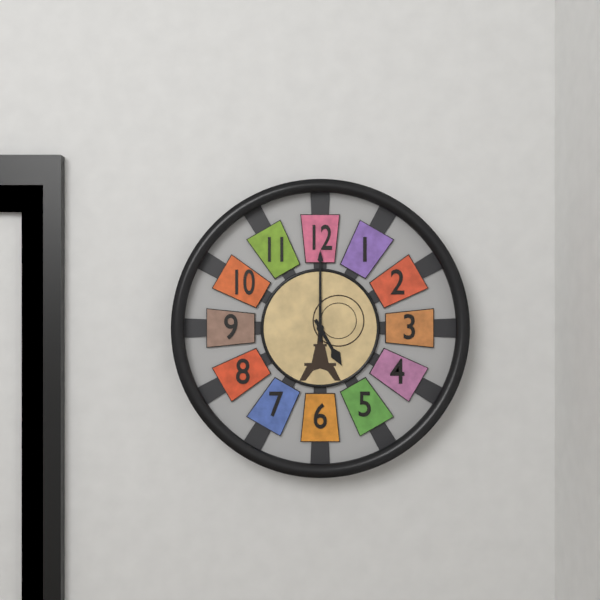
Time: 5h00
